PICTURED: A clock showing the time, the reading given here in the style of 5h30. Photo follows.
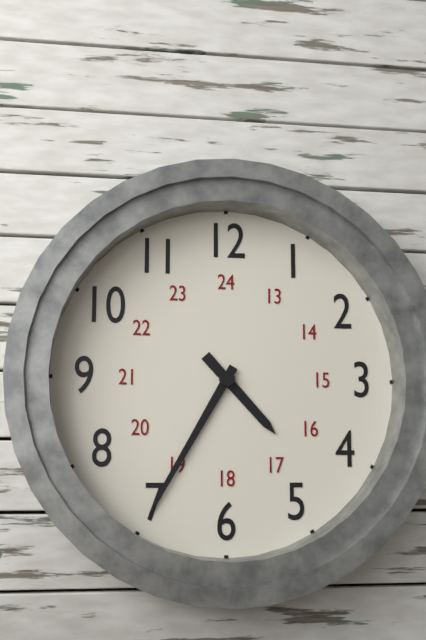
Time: 4h35
